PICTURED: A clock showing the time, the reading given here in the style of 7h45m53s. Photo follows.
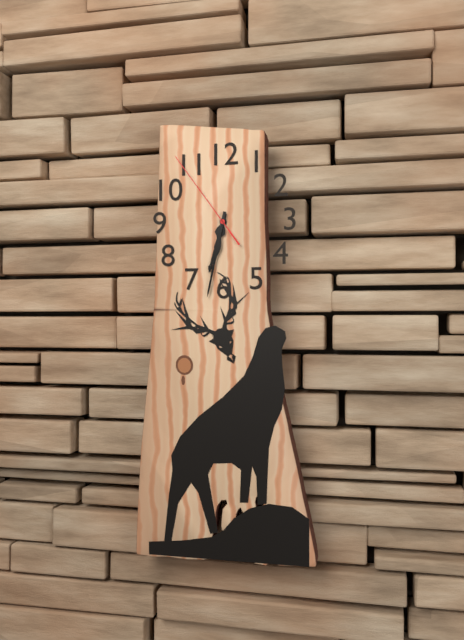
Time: 6h32m54s
